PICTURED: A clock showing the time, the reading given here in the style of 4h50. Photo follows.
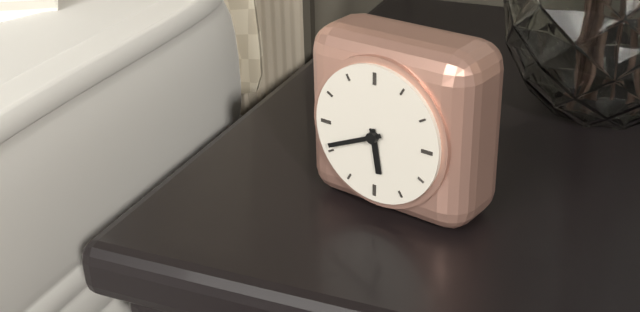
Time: 5h41
